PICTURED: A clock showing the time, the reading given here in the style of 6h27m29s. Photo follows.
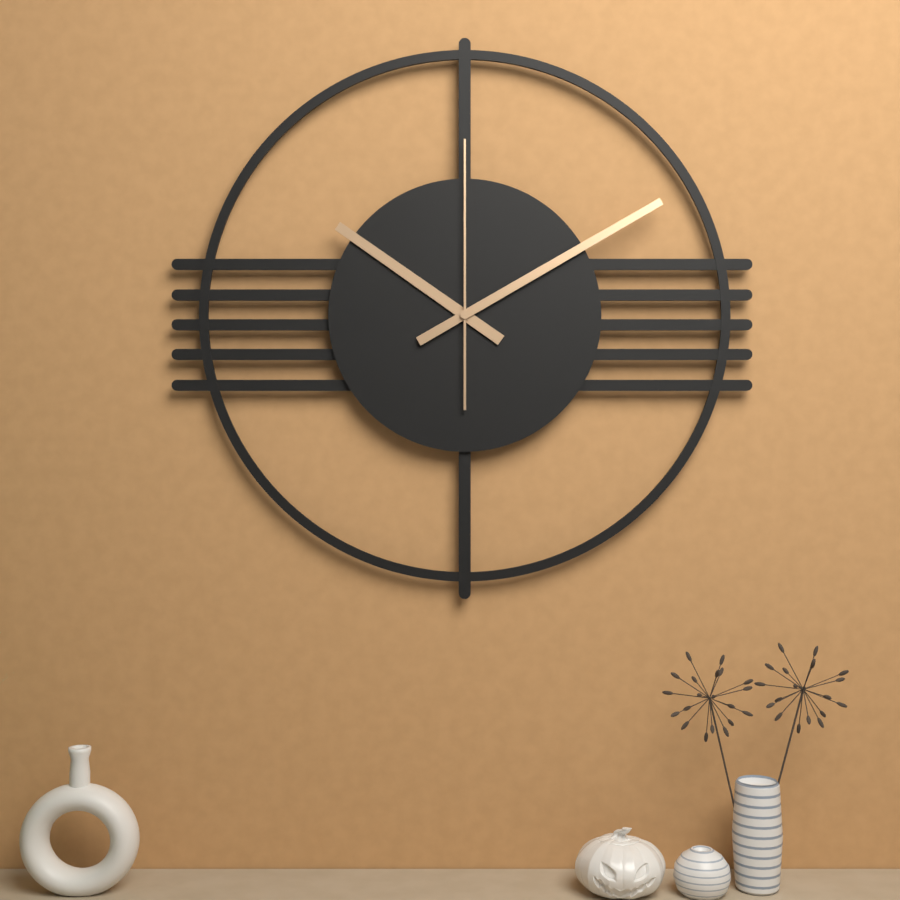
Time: 10h10m00s
